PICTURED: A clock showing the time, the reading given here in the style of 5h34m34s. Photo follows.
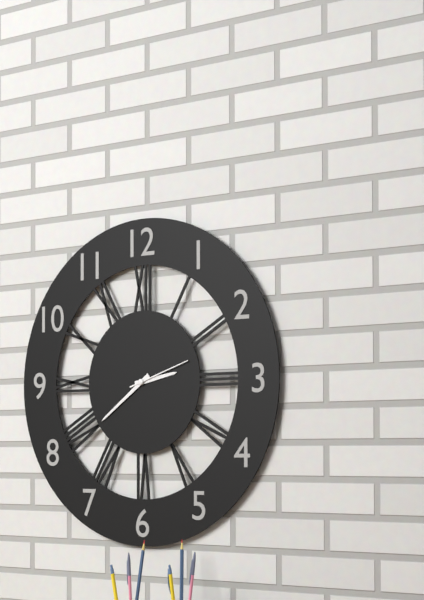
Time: 2h39m12s
